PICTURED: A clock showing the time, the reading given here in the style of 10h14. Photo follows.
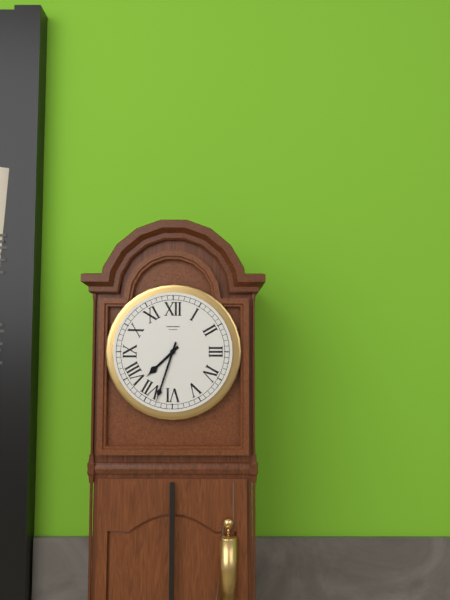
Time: 7h33
